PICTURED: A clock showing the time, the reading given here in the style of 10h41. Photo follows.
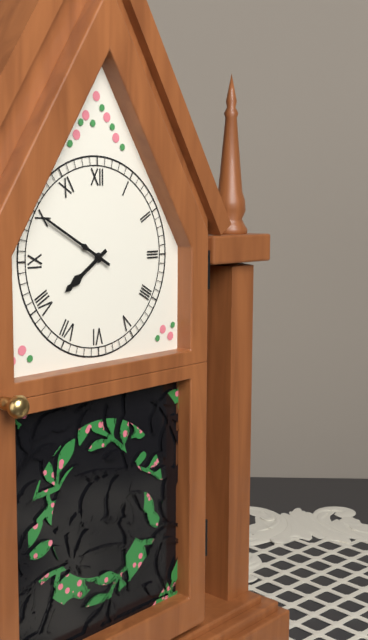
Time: 7h50
